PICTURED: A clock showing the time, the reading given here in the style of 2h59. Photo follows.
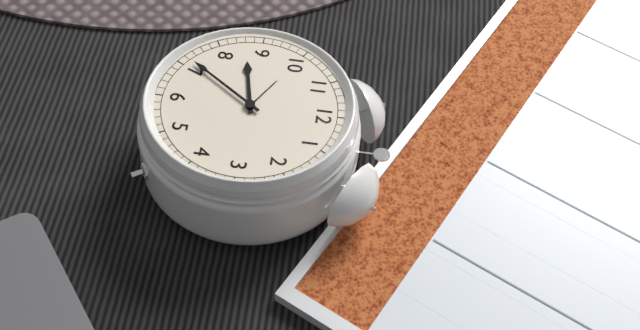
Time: 8h36
